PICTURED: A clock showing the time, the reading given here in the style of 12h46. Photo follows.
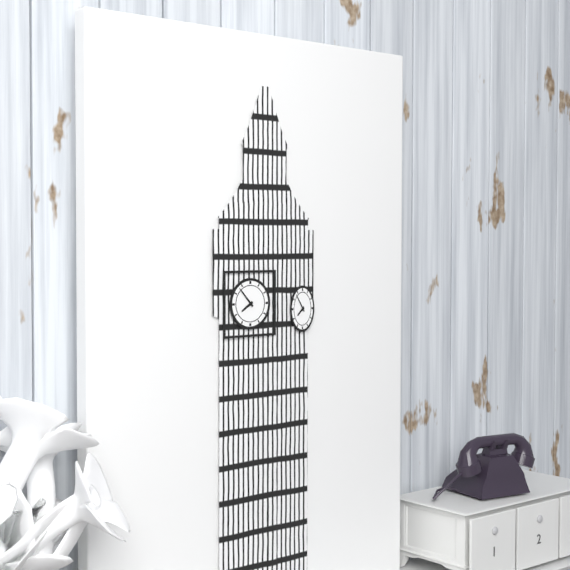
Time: 7h53
